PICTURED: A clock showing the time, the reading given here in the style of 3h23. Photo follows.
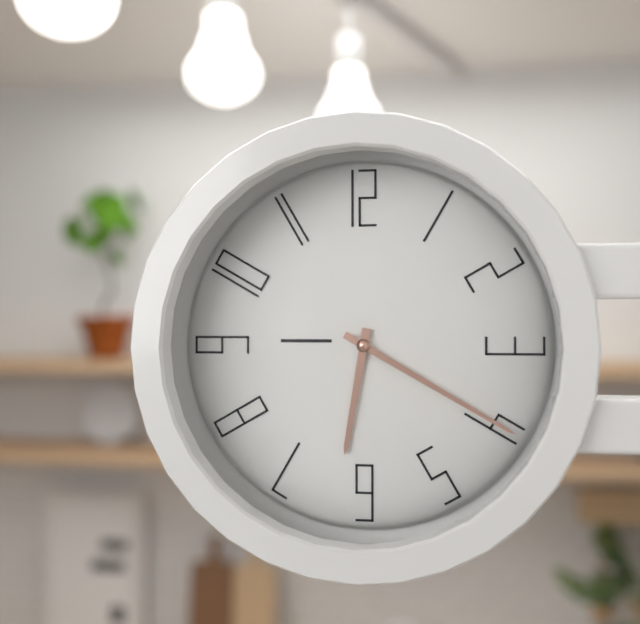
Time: 6h20
